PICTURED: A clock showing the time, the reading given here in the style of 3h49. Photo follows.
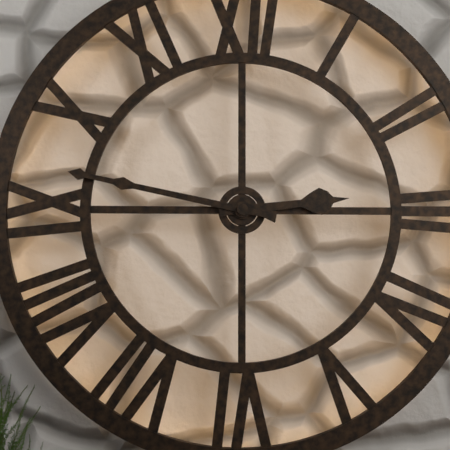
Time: 2h47
